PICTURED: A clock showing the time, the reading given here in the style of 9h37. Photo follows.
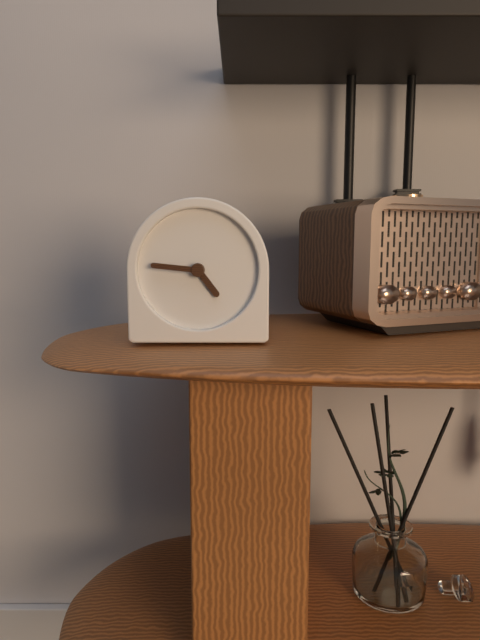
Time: 4h46
